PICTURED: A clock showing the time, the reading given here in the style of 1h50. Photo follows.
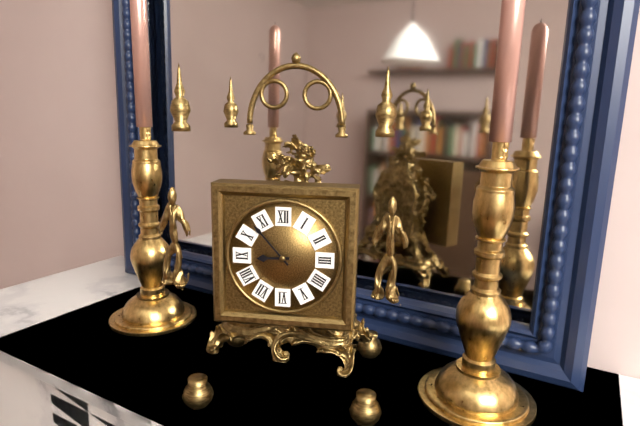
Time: 8h53
